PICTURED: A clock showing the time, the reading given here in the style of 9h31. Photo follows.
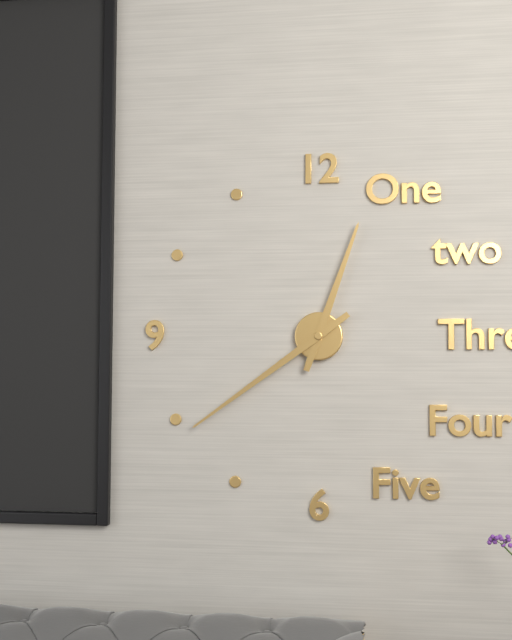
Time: 12h39
